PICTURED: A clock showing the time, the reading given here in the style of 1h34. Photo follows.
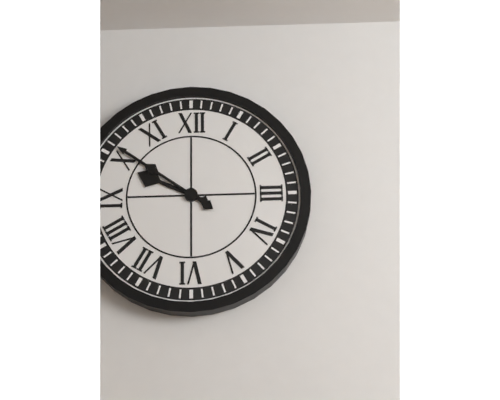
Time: 9h51
